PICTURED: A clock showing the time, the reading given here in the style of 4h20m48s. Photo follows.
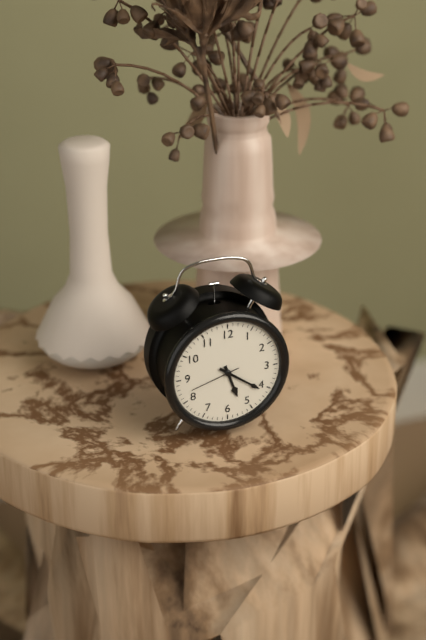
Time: 5h21m42s
